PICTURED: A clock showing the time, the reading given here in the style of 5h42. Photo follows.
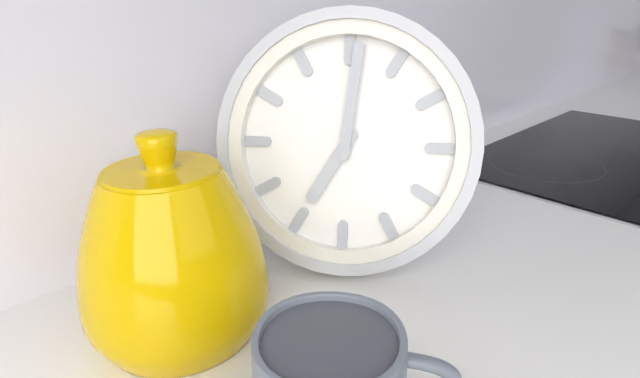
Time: 7h01
